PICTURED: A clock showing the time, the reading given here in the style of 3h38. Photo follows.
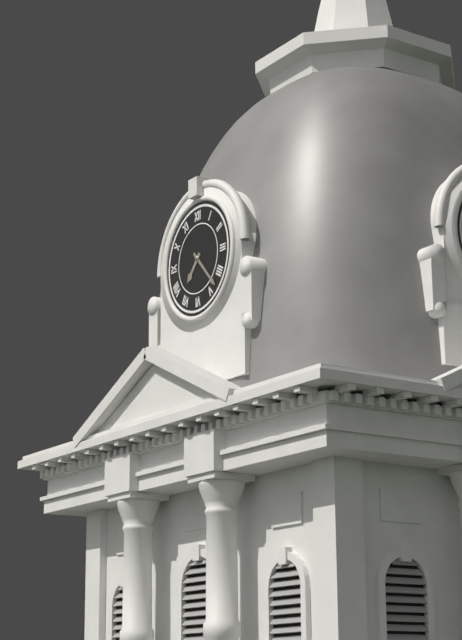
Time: 7h23
